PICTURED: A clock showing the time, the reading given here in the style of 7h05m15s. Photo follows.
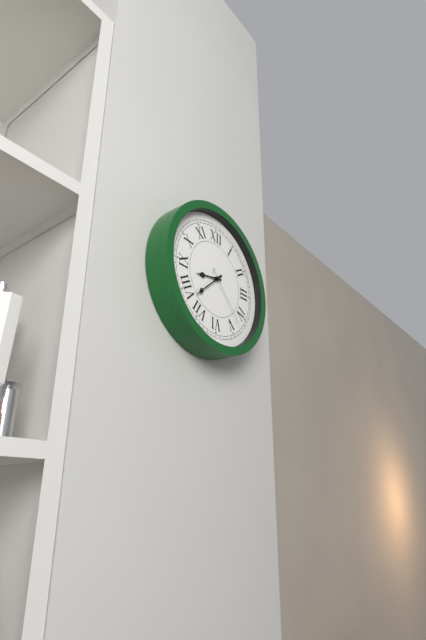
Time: 8h38m23s
